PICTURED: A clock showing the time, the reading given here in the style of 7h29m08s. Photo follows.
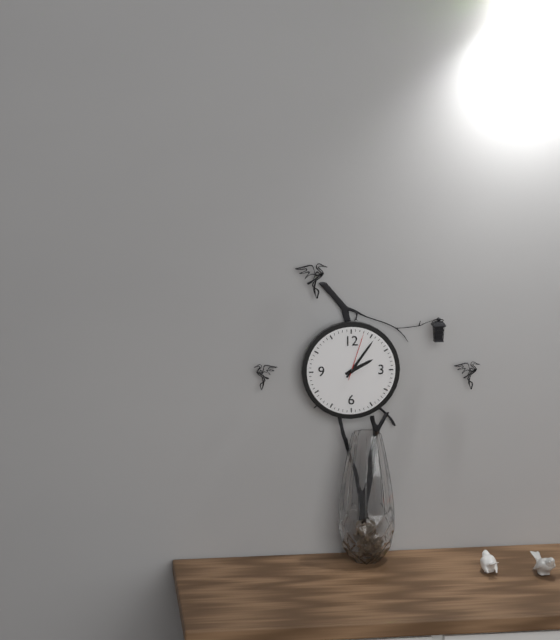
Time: 2h06m03s
